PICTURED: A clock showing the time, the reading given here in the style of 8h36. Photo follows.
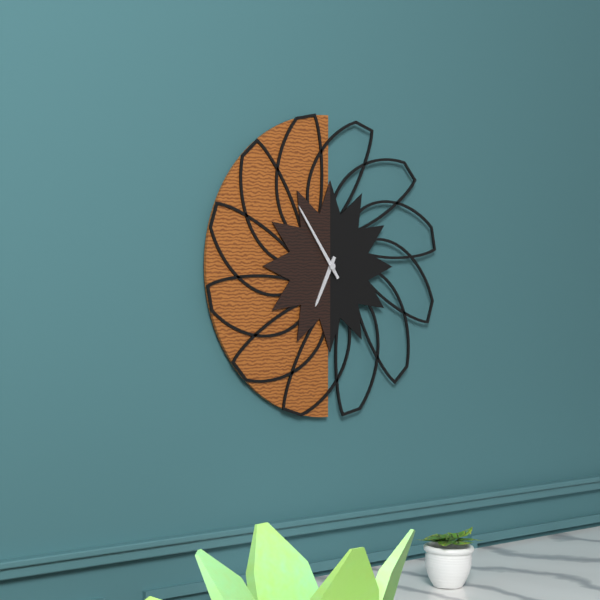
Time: 6h54
